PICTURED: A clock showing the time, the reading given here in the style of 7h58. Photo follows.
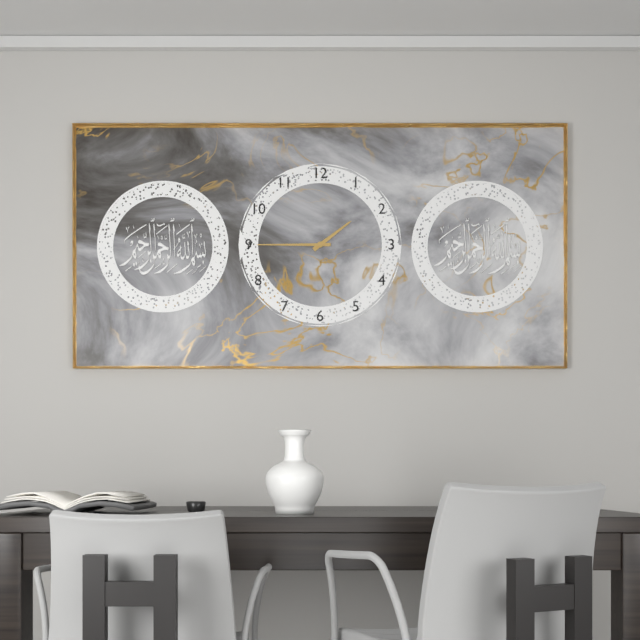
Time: 1h45
